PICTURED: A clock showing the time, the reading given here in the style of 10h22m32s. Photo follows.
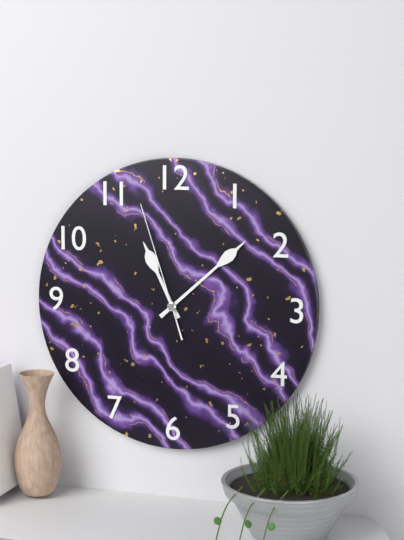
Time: 11h08m57s
